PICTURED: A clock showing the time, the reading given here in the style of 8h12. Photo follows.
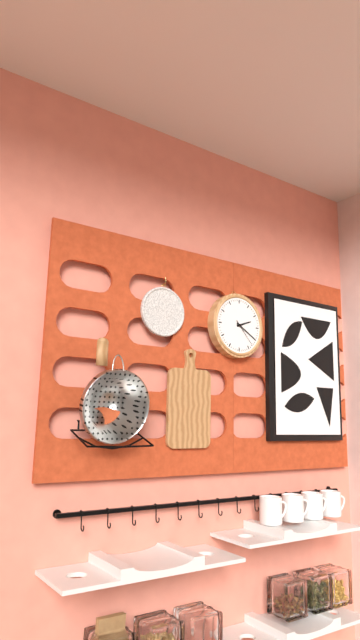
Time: 2h20
